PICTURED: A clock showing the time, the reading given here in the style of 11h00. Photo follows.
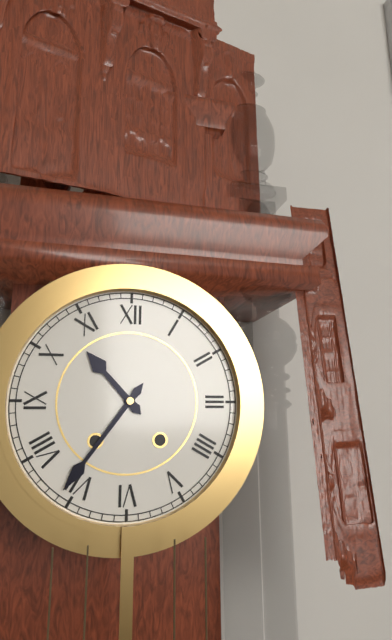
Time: 10h36
